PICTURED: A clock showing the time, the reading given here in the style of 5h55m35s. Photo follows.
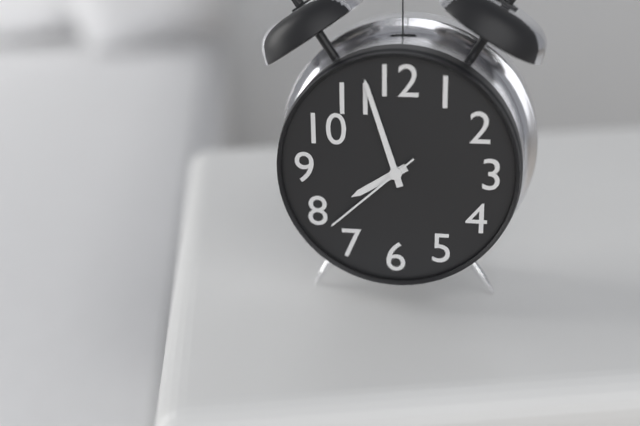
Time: 7h57m38s
